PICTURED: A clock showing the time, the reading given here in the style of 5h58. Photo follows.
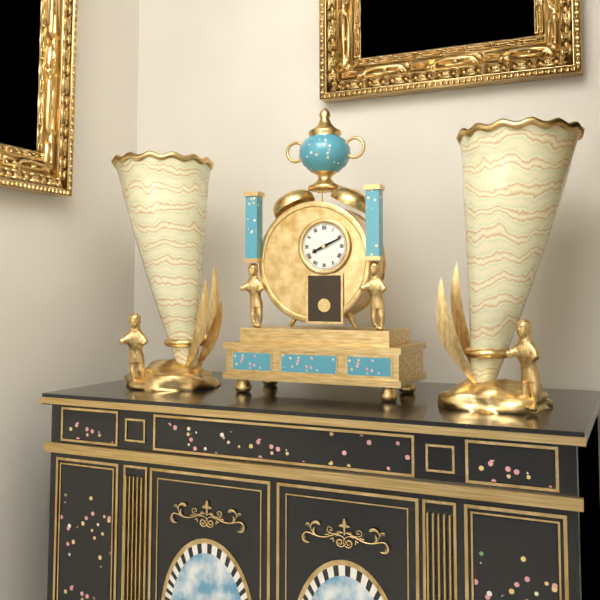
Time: 8h11
